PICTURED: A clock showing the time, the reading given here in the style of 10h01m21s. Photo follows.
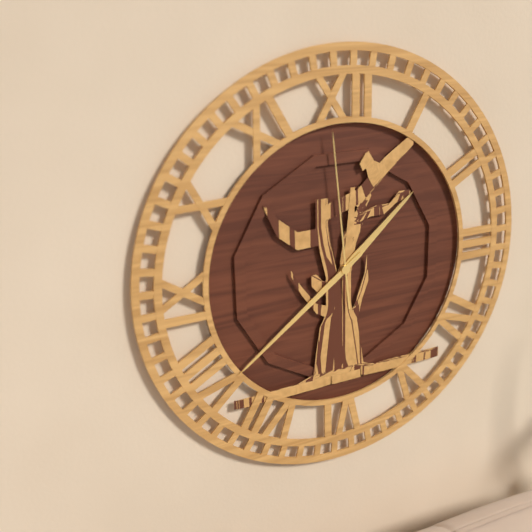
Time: 1h39m59s
